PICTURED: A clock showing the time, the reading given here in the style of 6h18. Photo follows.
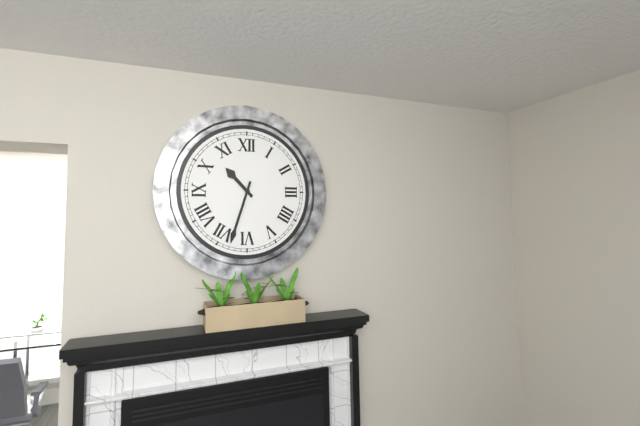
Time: 10h33
